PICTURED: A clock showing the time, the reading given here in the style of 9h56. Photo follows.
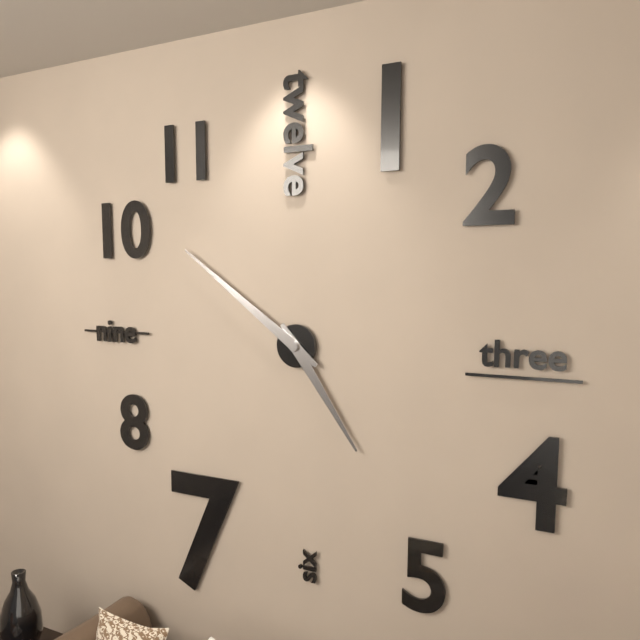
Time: 4h51
